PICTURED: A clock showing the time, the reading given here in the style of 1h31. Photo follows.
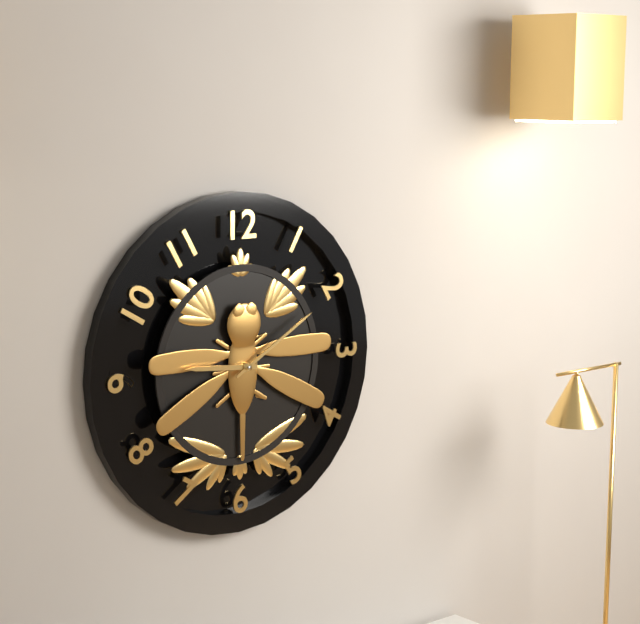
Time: 9h10
